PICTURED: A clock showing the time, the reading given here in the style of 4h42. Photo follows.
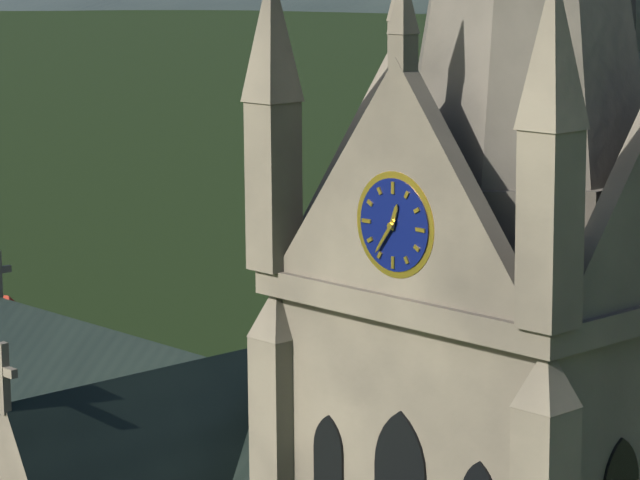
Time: 12h36
